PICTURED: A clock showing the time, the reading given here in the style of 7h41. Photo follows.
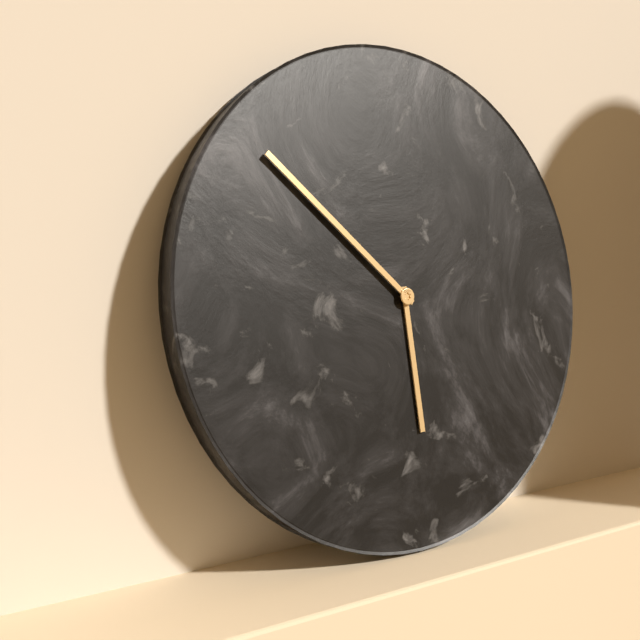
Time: 5h52
